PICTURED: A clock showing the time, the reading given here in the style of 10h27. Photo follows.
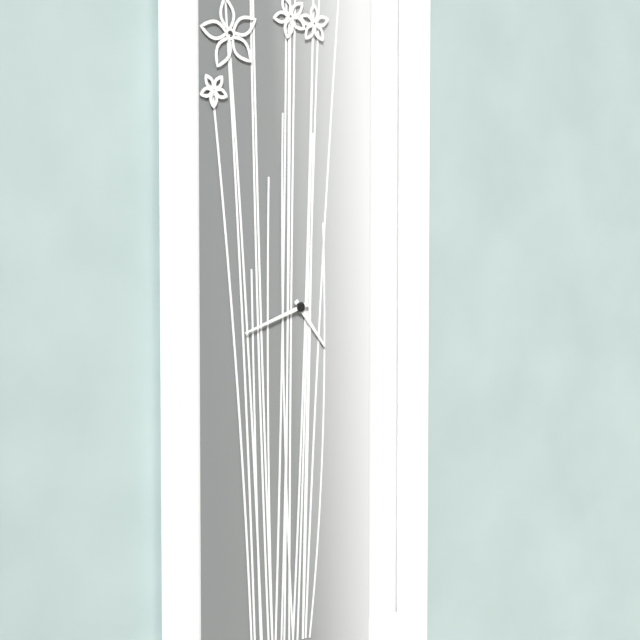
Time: 4h42
